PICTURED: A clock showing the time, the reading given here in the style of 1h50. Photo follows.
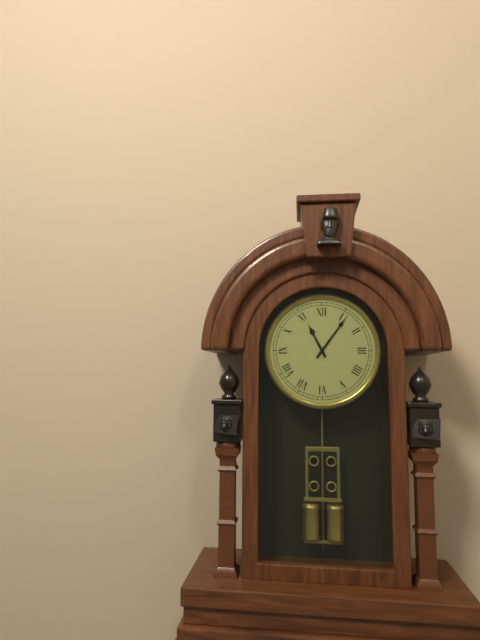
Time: 11h06
